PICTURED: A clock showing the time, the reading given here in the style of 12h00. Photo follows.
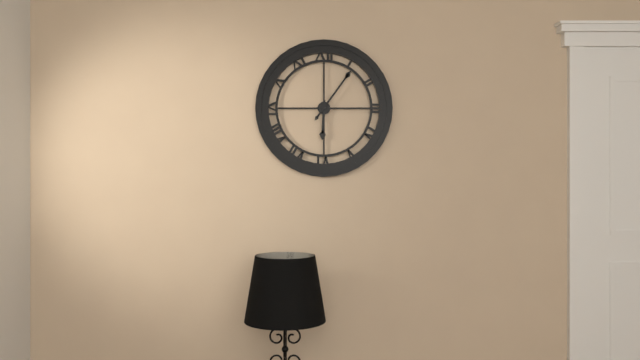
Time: 6h06
